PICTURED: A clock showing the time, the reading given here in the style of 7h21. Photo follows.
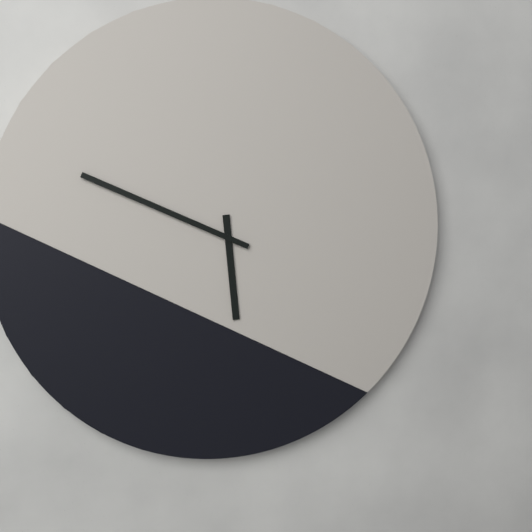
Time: 5h49
